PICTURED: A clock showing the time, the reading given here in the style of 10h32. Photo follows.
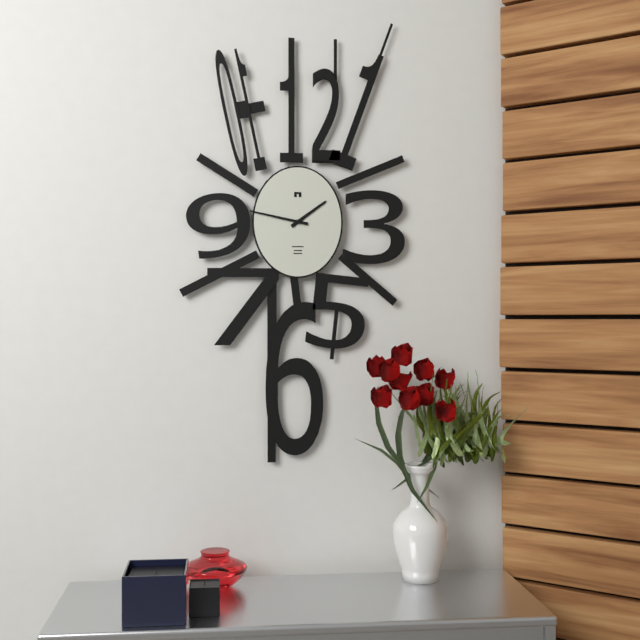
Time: 1h47
